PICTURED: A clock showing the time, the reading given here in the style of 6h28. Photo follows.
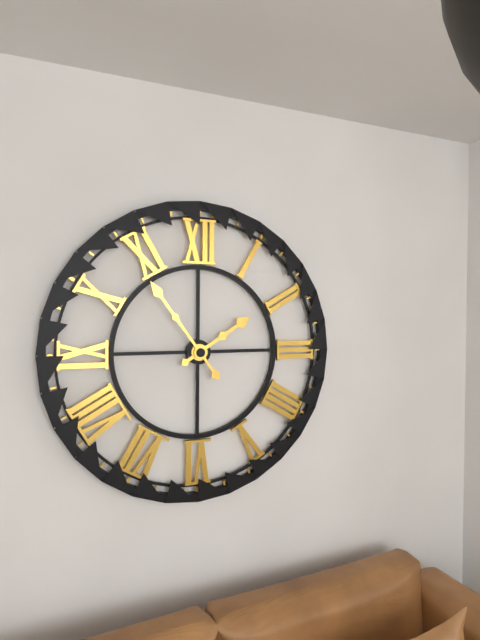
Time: 1h54
